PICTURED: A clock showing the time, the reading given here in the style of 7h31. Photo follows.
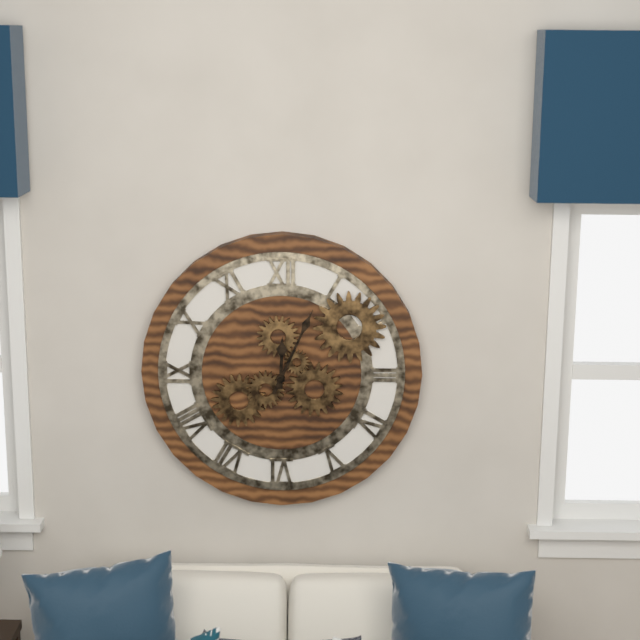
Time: 12h04
